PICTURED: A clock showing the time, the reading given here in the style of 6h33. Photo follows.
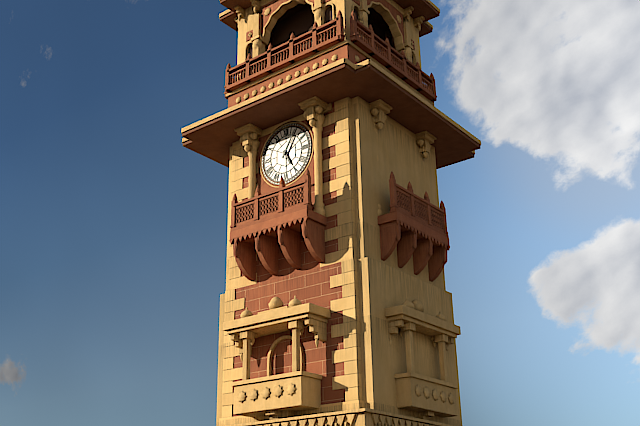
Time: 5h05
